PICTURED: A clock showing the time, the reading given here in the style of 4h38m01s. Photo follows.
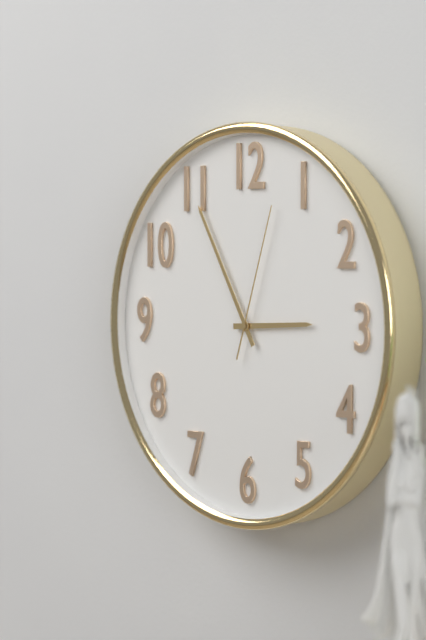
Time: 2h55m03s
